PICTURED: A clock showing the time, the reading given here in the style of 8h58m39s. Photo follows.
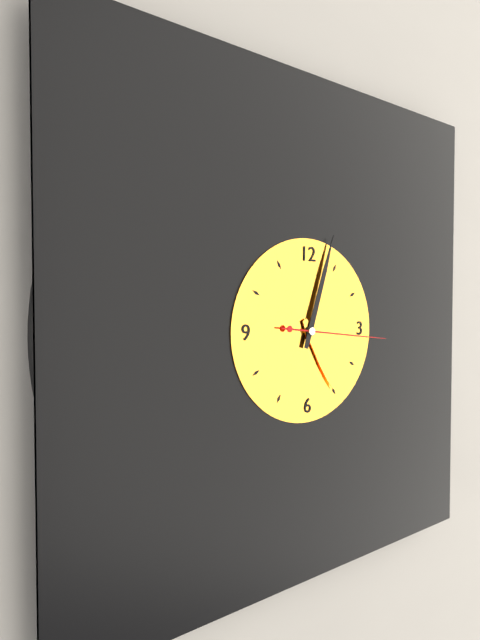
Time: 5h03m16s
